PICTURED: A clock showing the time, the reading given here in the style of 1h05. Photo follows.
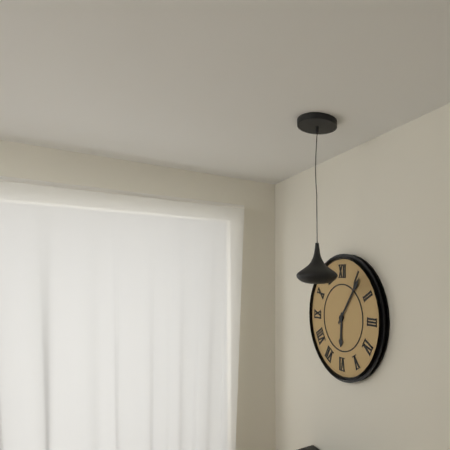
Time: 6h06
